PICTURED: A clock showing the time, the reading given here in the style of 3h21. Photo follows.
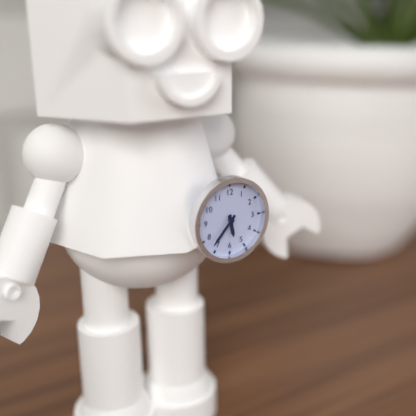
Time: 5h37
